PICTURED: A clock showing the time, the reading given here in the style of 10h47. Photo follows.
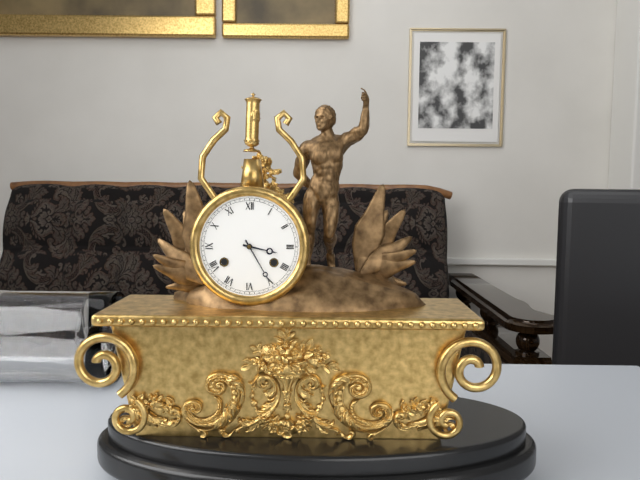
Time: 3h25
